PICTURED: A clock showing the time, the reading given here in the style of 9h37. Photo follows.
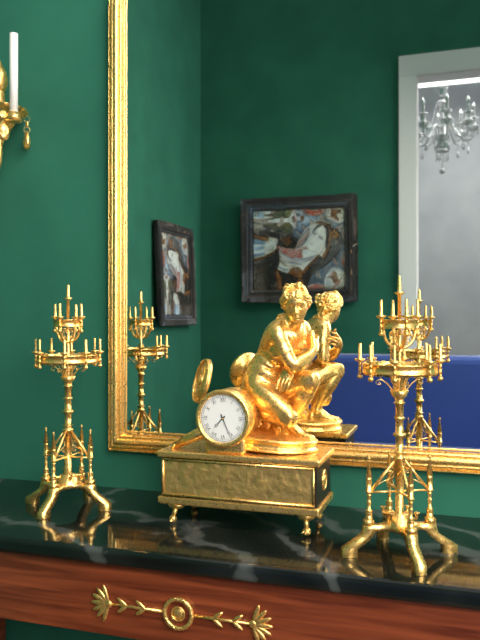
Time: 7h26
